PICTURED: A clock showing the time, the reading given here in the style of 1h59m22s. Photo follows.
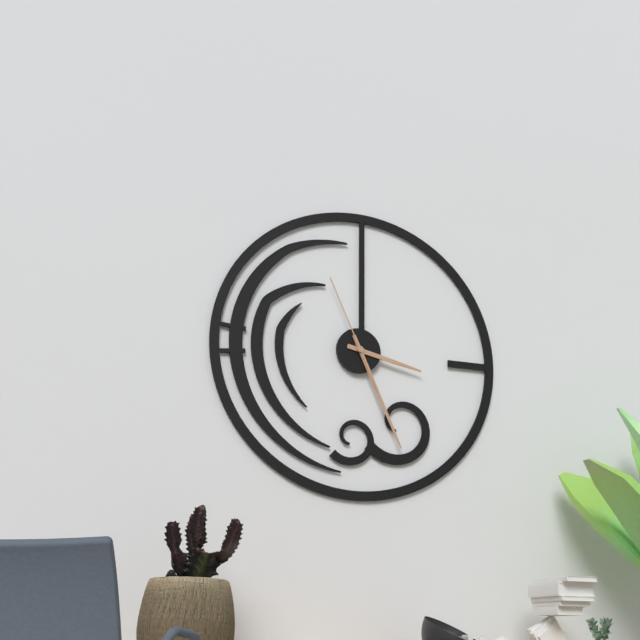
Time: 3h26m56s
